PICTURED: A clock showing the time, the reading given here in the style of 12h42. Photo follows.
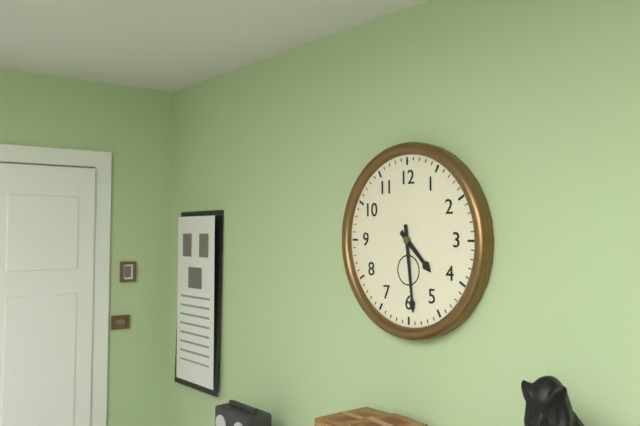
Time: 4h29
